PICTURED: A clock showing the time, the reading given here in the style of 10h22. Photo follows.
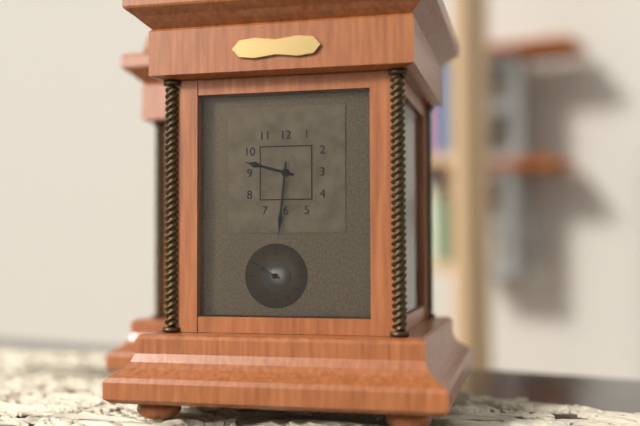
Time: 9h31
